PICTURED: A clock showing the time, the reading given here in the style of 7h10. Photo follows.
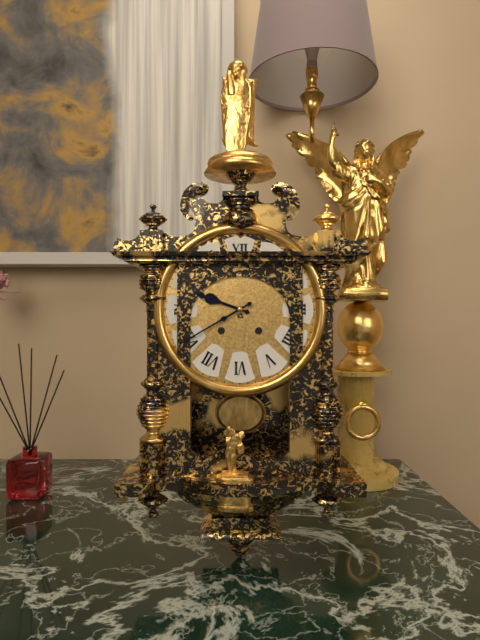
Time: 9h40
